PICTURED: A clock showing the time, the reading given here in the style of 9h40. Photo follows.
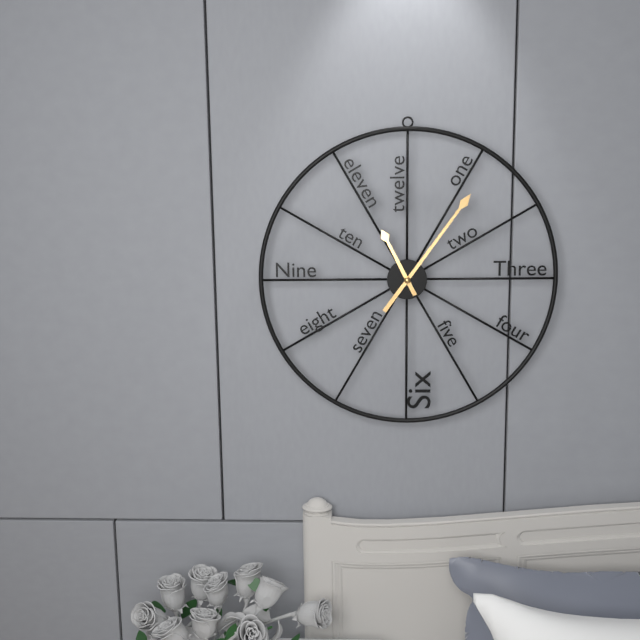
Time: 11h06
